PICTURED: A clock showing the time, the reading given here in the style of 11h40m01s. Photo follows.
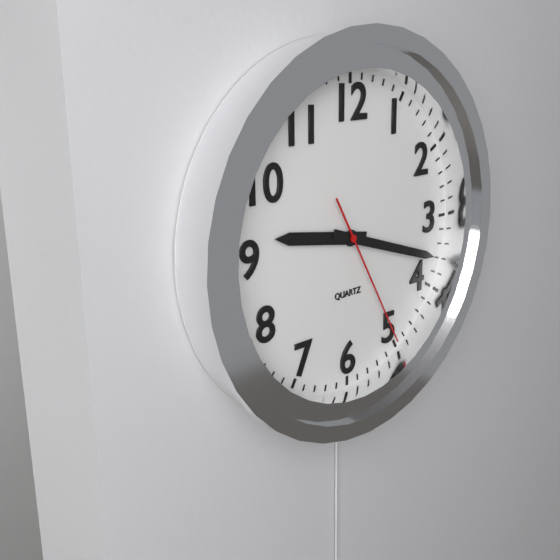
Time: 9h18m25s
